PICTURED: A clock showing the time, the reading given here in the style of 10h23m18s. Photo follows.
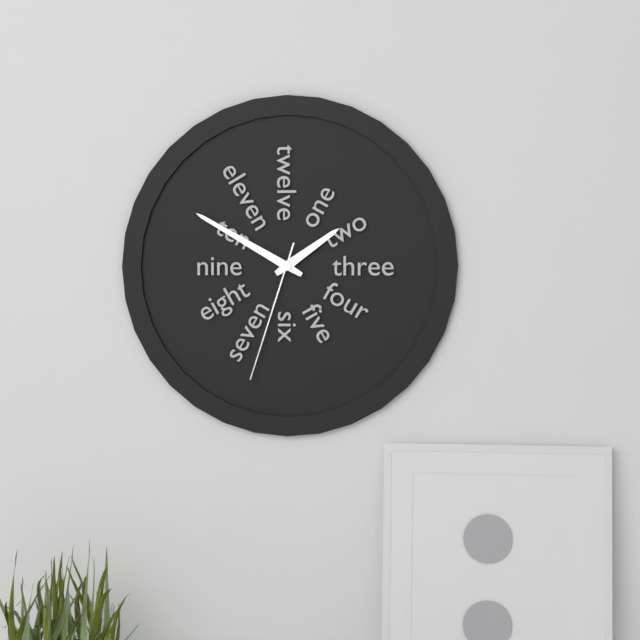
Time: 1h50m33s
